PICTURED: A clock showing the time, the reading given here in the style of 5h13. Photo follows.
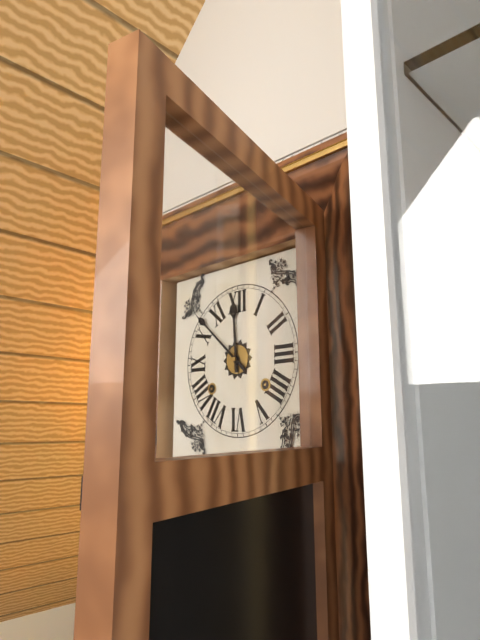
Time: 11h52
